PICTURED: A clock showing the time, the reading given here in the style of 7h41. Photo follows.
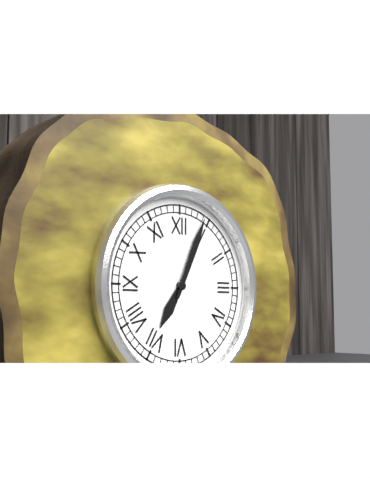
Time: 7h04
